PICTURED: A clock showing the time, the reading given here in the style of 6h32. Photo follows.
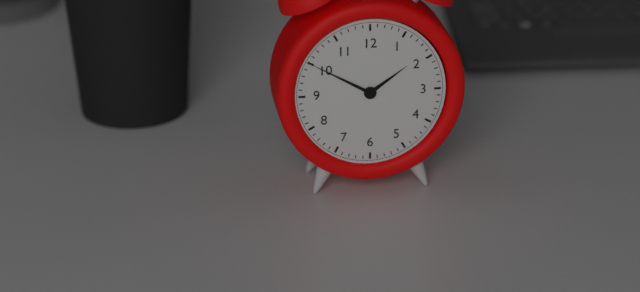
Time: 1h50
